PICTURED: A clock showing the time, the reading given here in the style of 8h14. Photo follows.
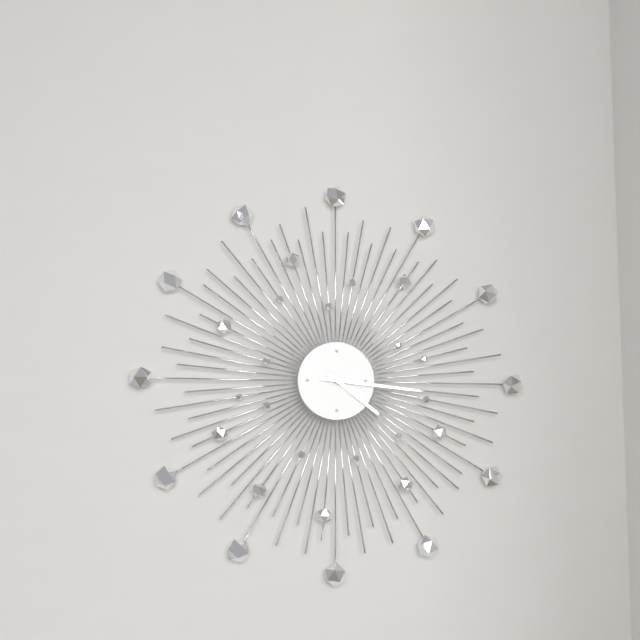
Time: 4h16
